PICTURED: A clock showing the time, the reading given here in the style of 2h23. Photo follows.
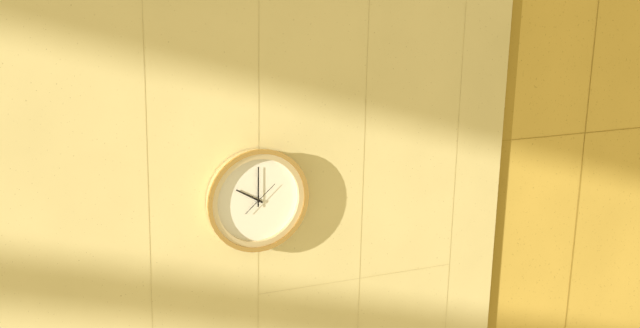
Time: 10h00
